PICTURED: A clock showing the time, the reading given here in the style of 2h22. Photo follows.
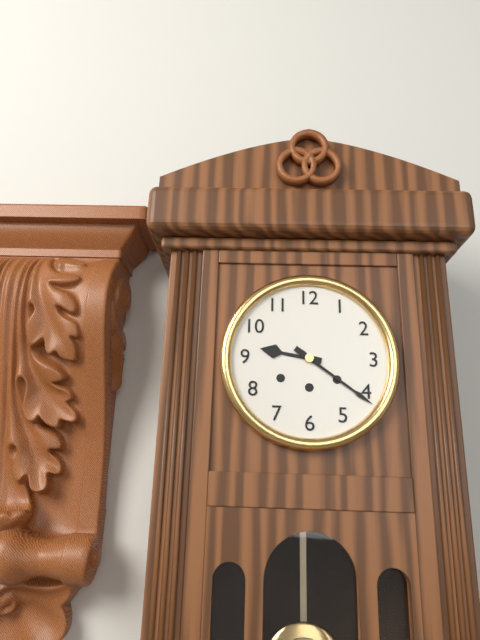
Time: 9h21
